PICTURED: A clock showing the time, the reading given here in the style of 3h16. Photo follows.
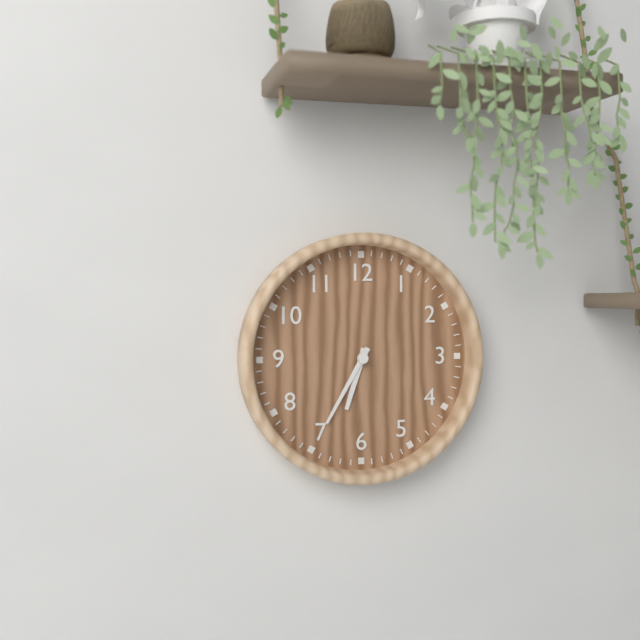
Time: 6h35
